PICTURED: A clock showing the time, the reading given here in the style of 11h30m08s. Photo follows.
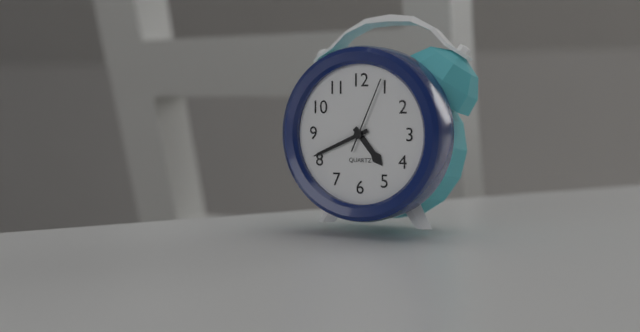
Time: 4h41m04s
